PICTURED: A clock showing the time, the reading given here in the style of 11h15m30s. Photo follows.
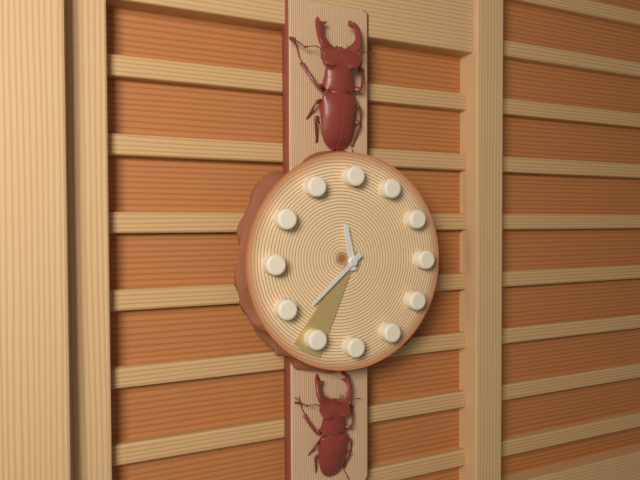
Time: 11h38m35s
